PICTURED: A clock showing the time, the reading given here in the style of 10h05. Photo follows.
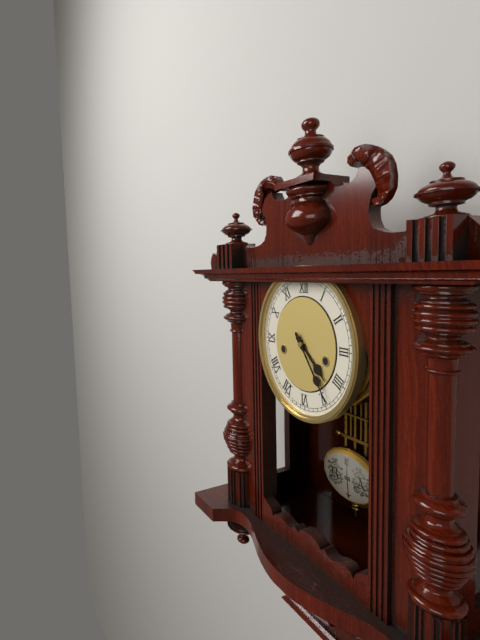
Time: 4h24
